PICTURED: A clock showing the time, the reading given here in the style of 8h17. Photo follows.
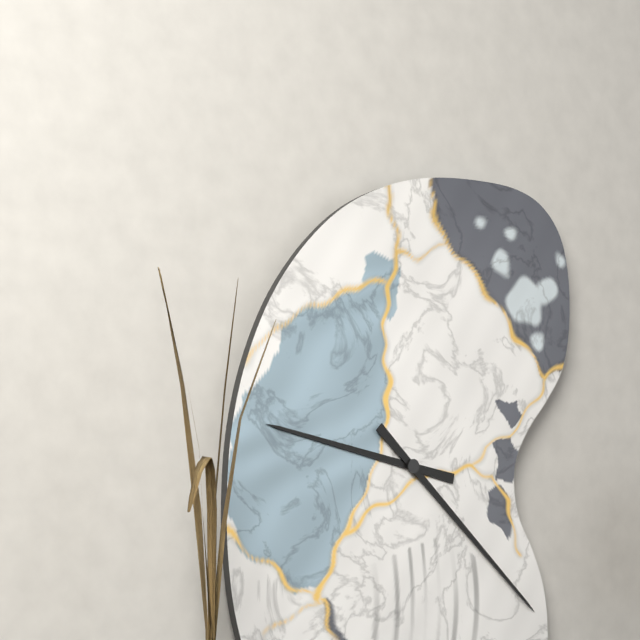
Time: 9h22
